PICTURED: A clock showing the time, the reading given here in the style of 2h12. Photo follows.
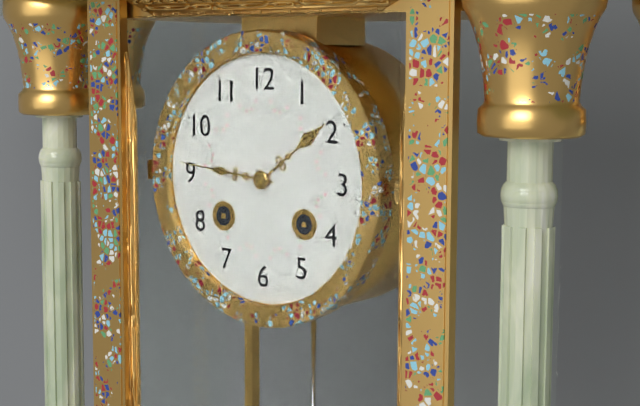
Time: 1h46
